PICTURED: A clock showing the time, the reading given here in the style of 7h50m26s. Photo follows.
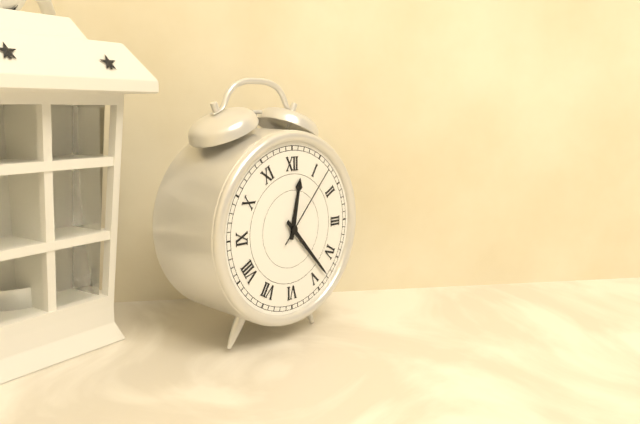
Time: 12h23m07s
